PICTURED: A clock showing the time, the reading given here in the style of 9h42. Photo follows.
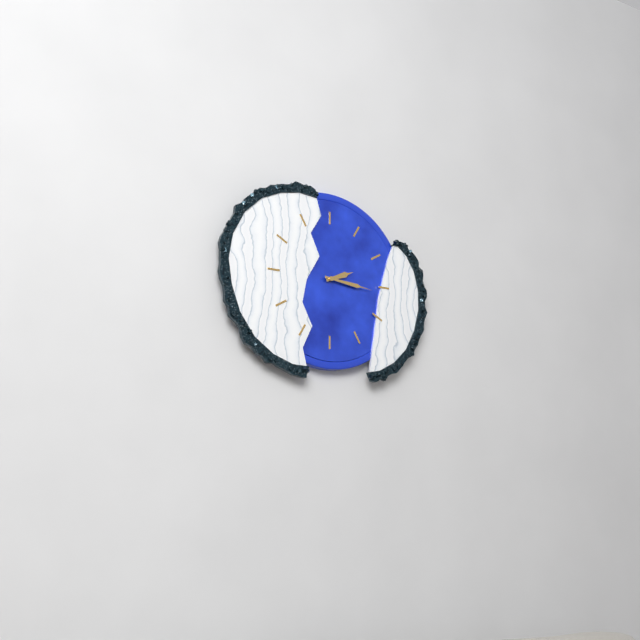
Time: 2h16
